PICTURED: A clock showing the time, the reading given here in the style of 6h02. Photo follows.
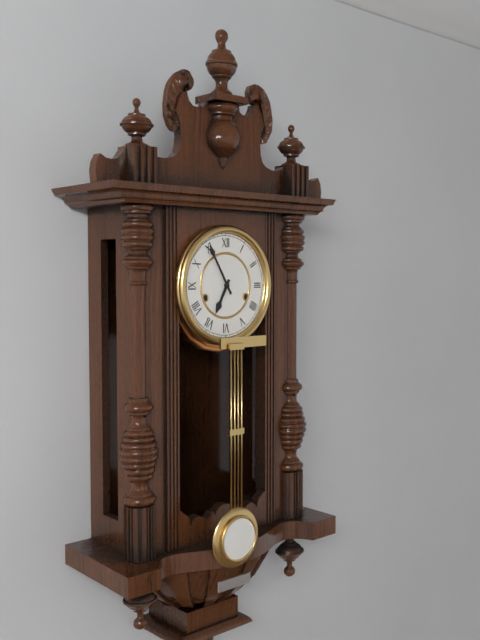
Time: 6h55
